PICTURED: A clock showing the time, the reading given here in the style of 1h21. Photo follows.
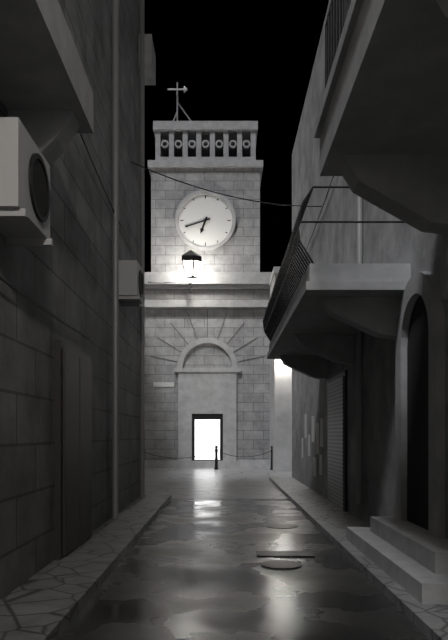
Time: 6h42
